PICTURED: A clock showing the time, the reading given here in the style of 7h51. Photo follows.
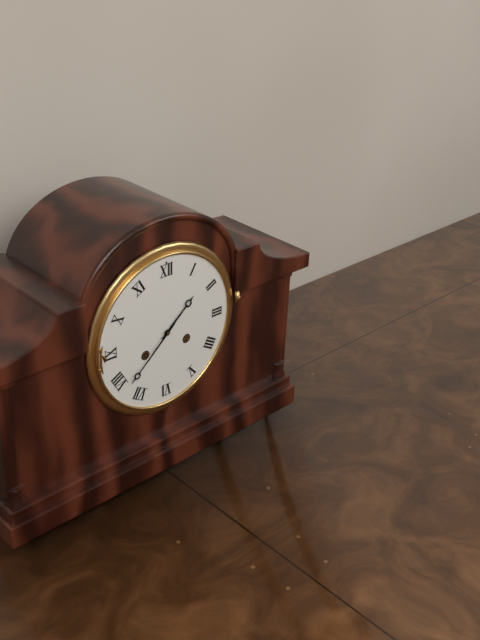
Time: 1h38
